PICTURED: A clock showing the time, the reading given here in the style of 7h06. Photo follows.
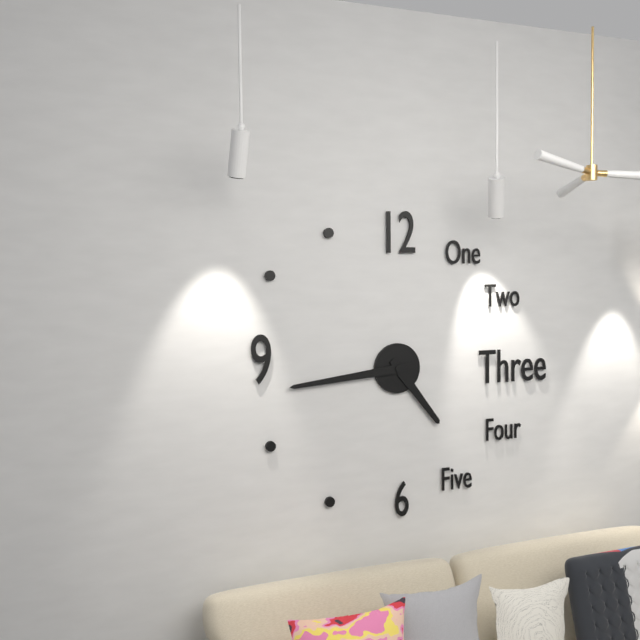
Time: 4h44
